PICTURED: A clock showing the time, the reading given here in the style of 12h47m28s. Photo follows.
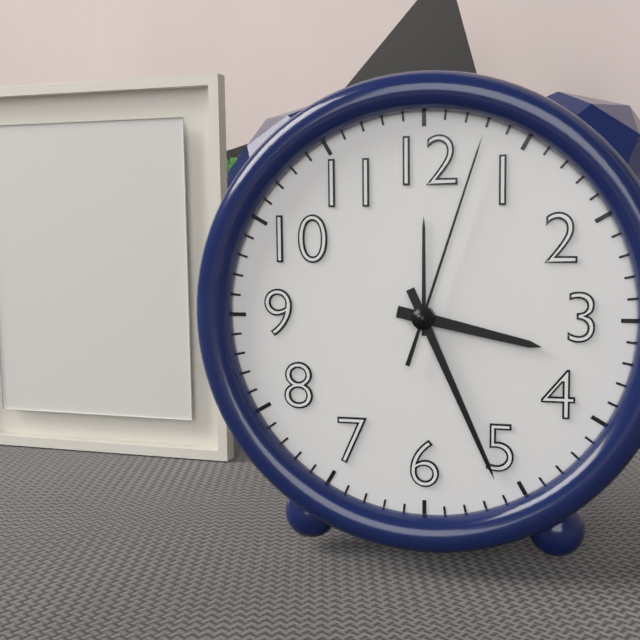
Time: 3h26m03s
